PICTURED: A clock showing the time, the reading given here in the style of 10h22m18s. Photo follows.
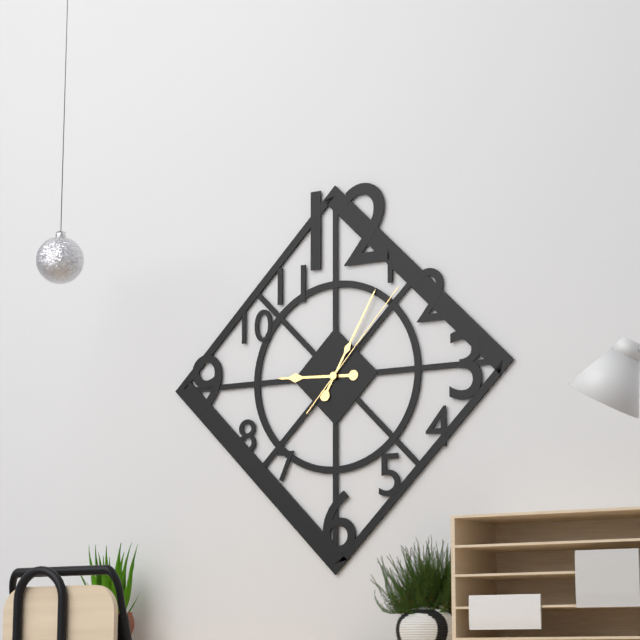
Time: 9h05m07s
